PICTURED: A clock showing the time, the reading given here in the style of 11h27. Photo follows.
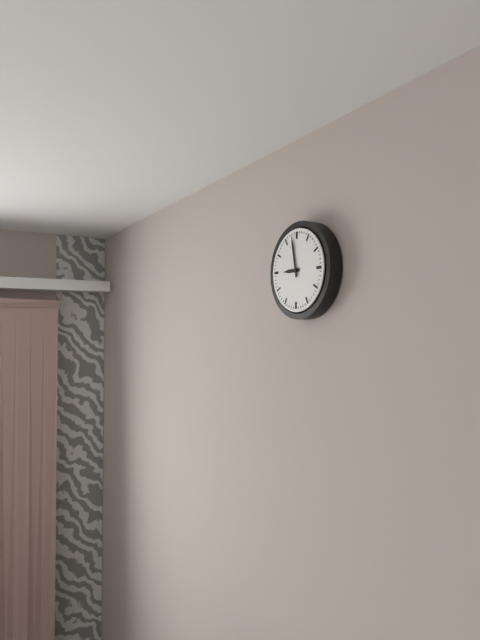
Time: 8h58
